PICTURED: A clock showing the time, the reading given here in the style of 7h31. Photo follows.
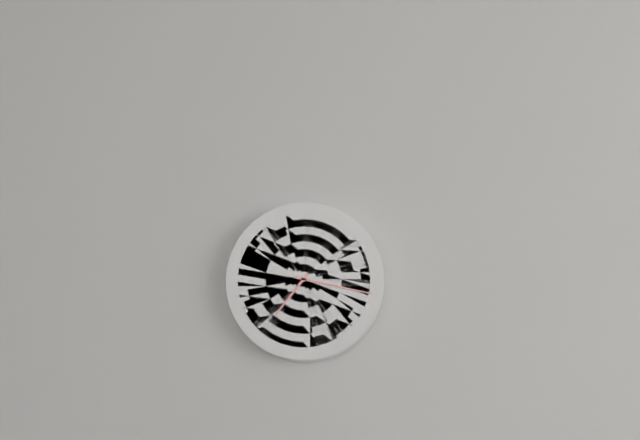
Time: 7h17
